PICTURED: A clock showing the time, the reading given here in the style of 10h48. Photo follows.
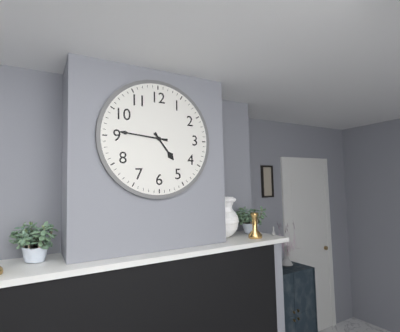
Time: 4h46
